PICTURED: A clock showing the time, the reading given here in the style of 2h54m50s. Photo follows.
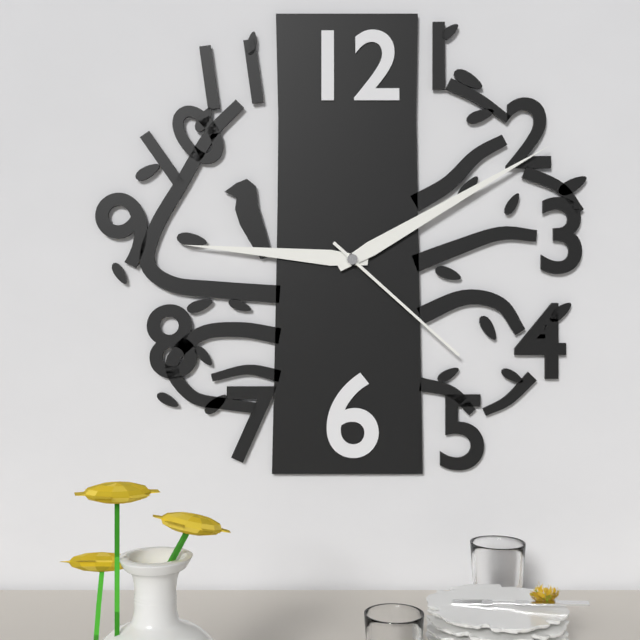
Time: 9h10m22s
